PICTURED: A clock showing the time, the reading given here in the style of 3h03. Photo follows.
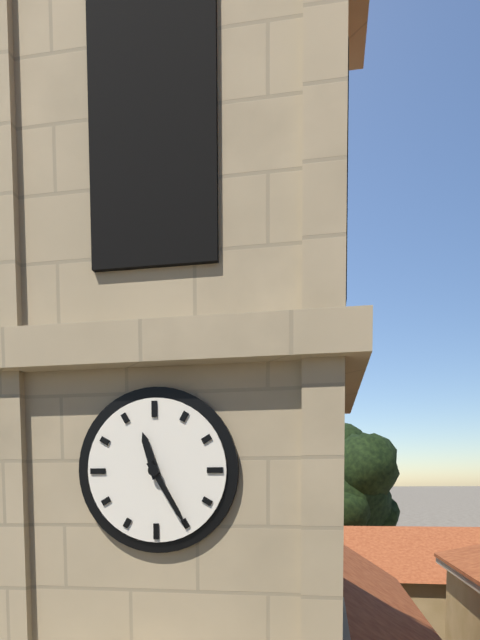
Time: 11h25
